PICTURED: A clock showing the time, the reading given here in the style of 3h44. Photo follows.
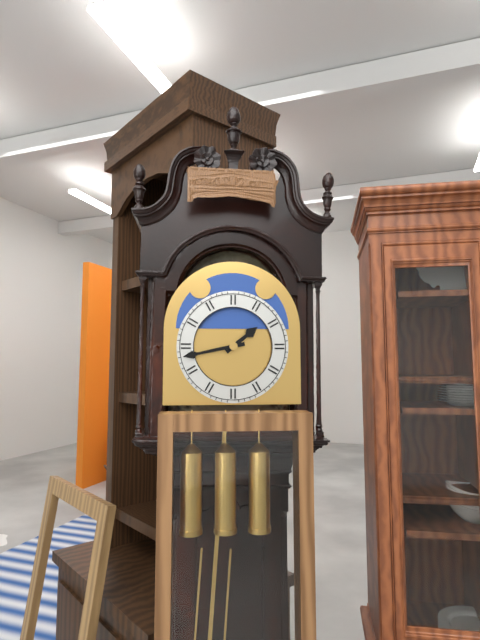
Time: 1h43
